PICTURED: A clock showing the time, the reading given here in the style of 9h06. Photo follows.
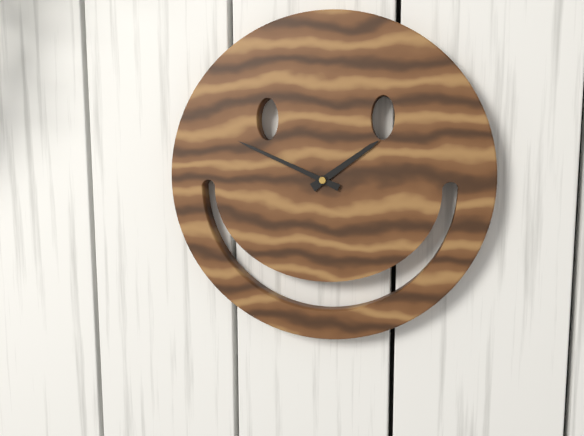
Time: 1h49
